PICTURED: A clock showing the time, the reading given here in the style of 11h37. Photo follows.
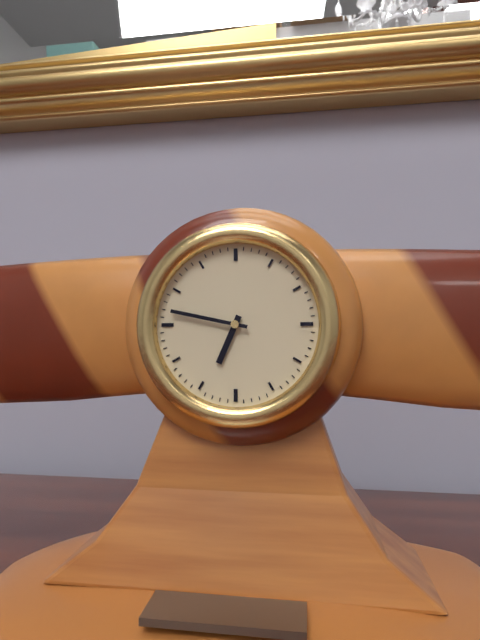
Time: 6h47
